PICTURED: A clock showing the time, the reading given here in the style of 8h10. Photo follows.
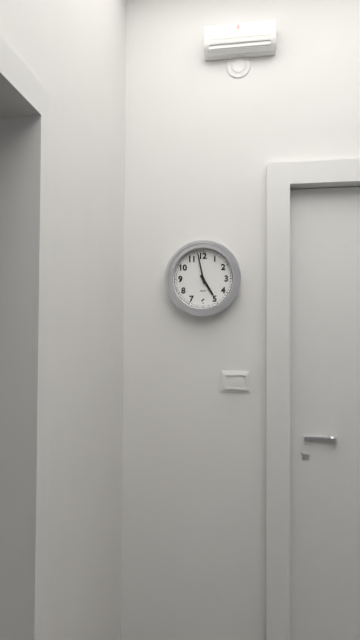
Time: 4h58
